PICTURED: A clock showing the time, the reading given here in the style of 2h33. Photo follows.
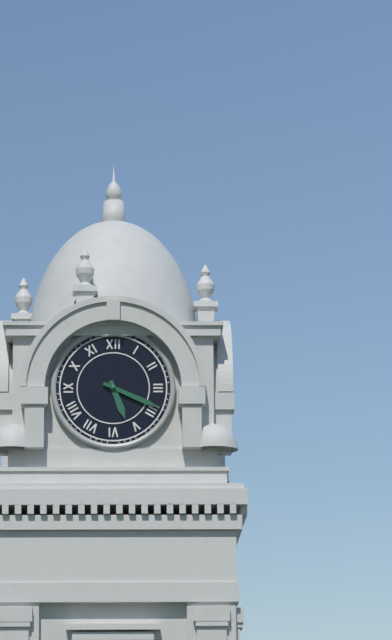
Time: 5h19
